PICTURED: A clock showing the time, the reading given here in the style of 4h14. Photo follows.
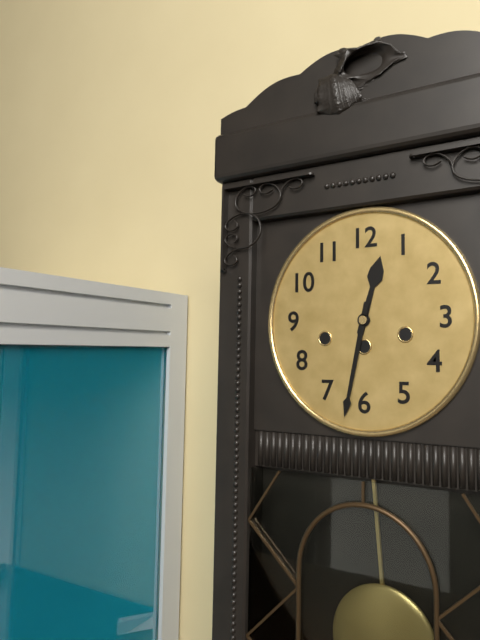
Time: 12h32
